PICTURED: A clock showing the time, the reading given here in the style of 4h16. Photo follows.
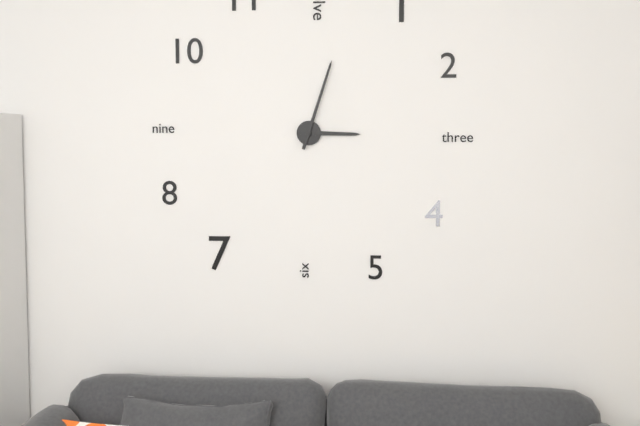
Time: 3h03
